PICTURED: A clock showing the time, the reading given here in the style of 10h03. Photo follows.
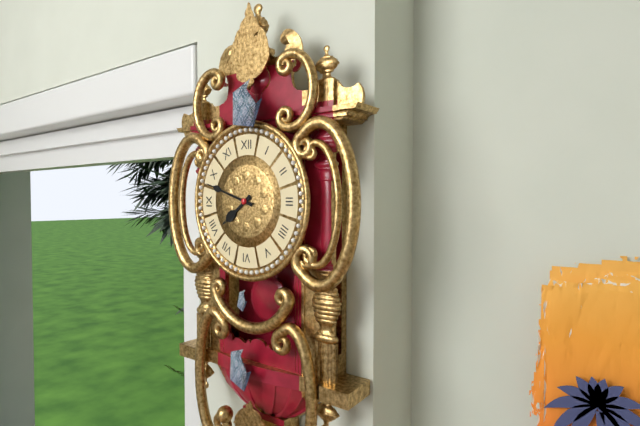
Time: 7h48
